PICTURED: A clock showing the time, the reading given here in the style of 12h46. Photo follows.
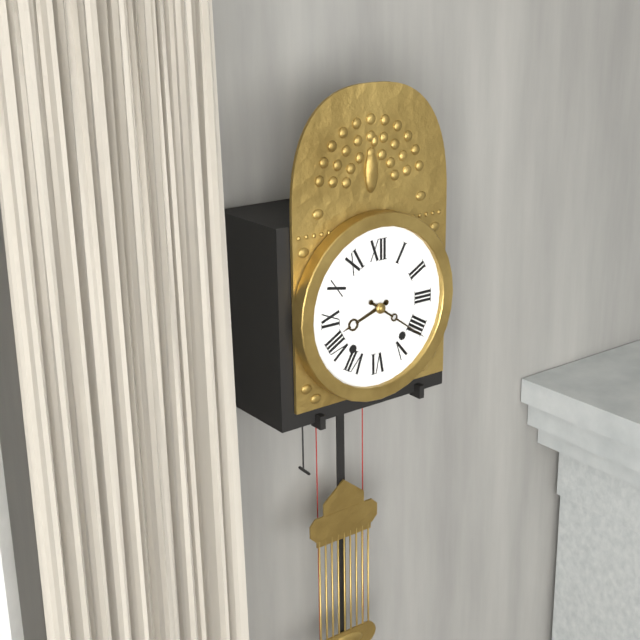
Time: 8h21
